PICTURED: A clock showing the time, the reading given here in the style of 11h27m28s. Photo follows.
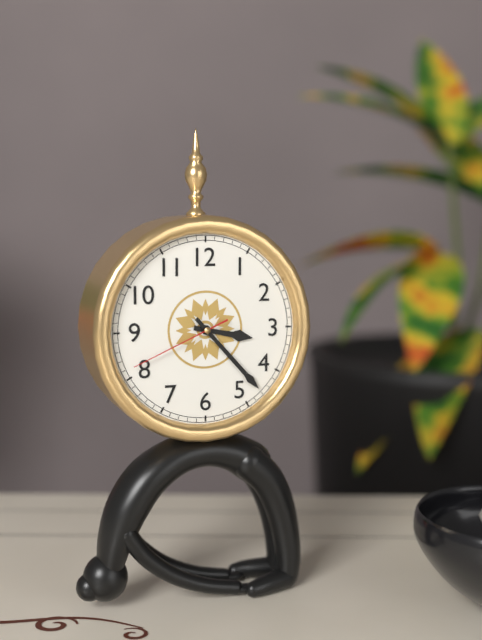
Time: 3h23m41s
